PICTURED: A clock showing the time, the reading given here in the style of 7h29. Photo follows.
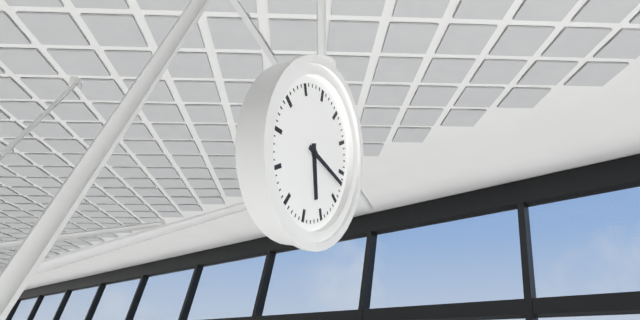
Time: 5h17
